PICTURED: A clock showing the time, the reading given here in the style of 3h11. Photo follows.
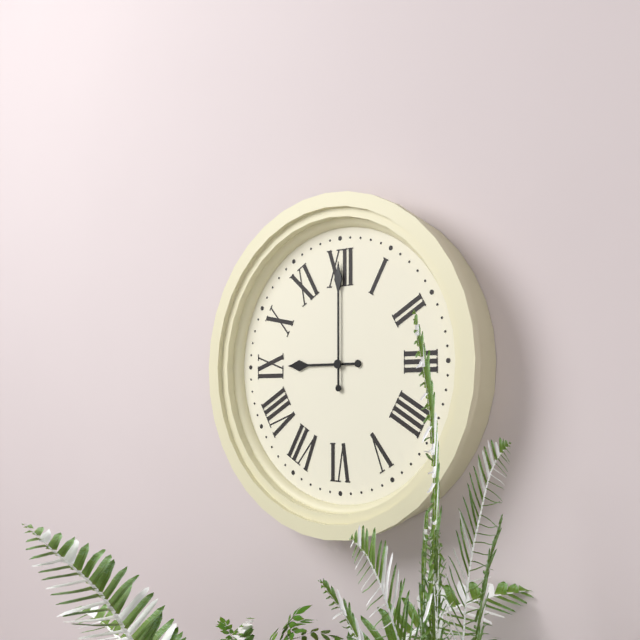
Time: 9h00
